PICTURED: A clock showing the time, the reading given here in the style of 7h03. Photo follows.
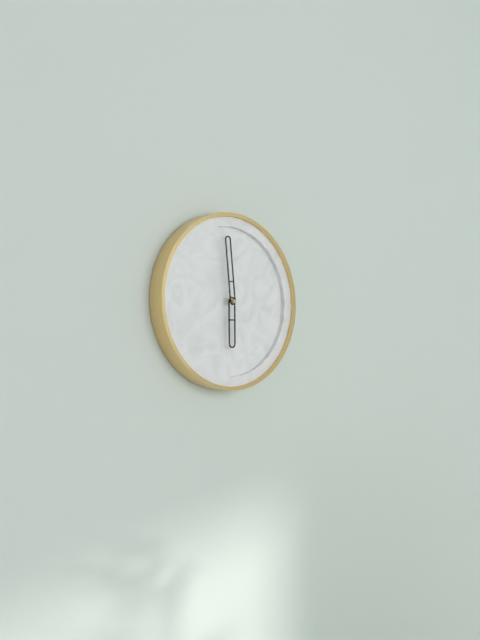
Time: 5h59
